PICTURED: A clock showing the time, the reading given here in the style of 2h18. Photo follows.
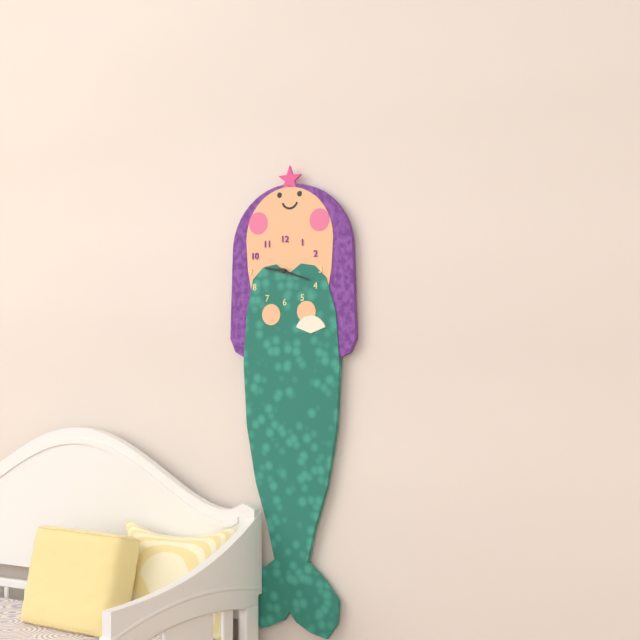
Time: 9h18
